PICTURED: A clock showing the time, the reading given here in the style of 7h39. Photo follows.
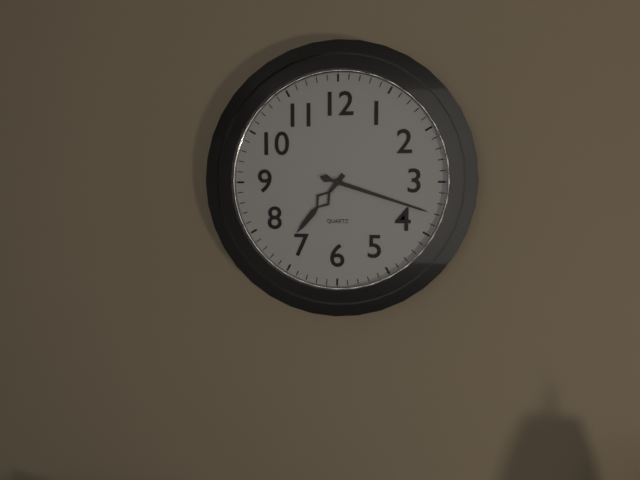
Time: 7h18
